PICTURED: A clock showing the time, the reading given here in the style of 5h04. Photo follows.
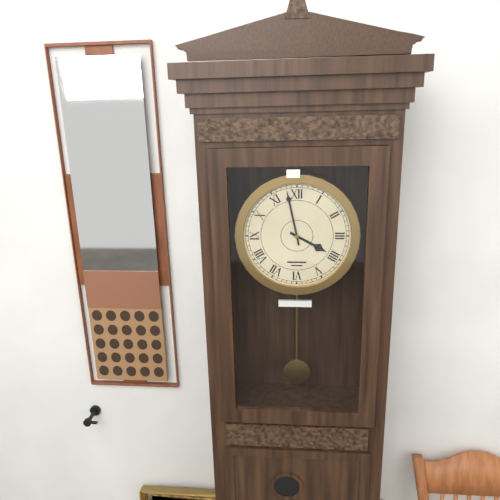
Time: 3h58
